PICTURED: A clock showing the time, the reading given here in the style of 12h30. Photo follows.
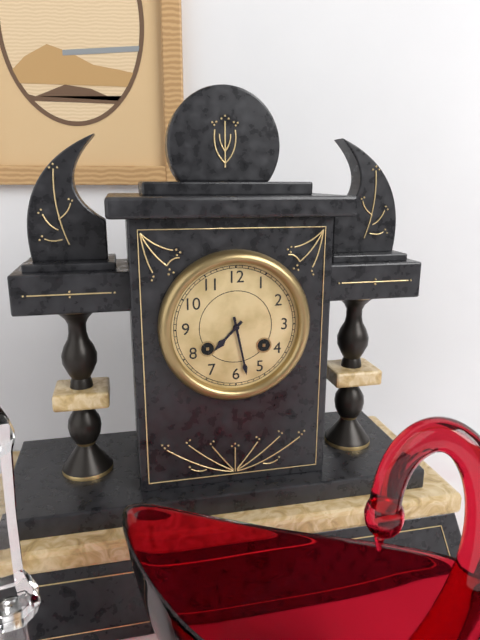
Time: 7h28
